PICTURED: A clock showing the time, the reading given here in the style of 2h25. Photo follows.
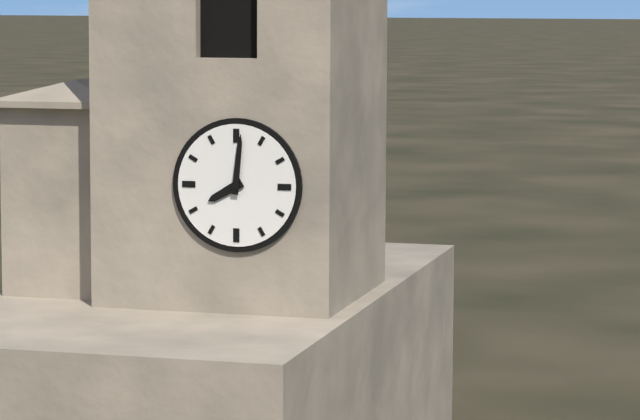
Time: 8h01
